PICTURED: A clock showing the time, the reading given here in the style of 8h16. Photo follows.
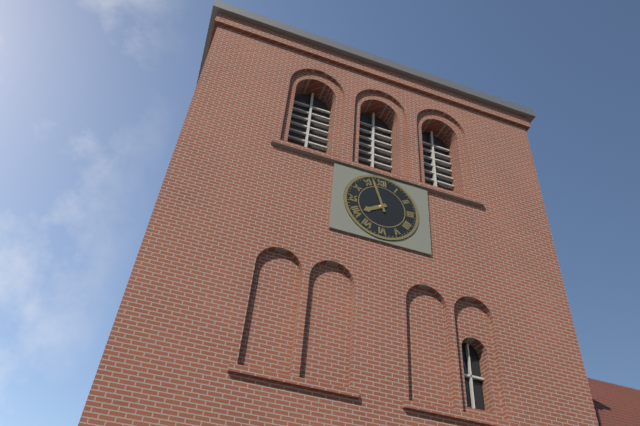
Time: 7h57
